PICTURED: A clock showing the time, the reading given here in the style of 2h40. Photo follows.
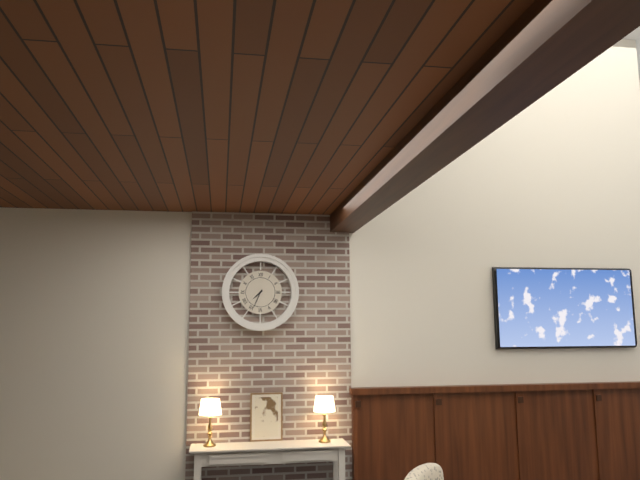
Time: 7h34
